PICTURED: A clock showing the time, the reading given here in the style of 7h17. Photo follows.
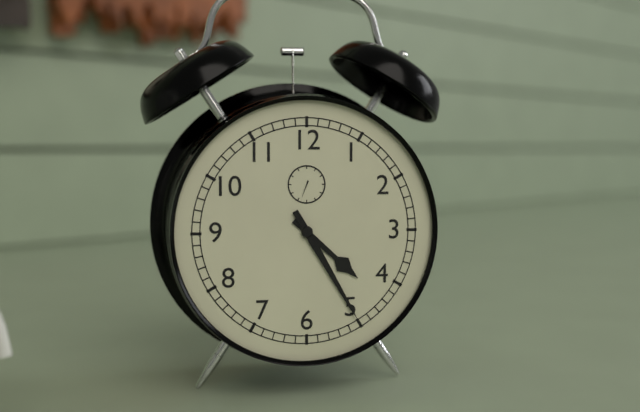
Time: 4h25
